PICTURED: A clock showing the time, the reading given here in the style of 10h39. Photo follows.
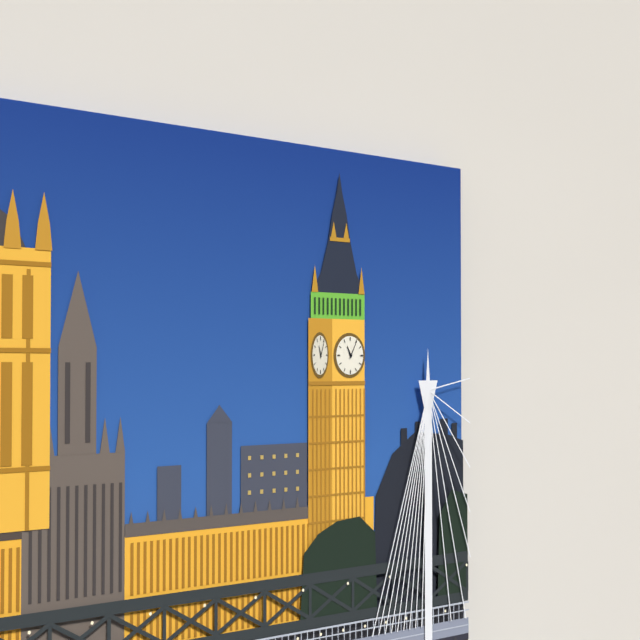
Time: 11h05
